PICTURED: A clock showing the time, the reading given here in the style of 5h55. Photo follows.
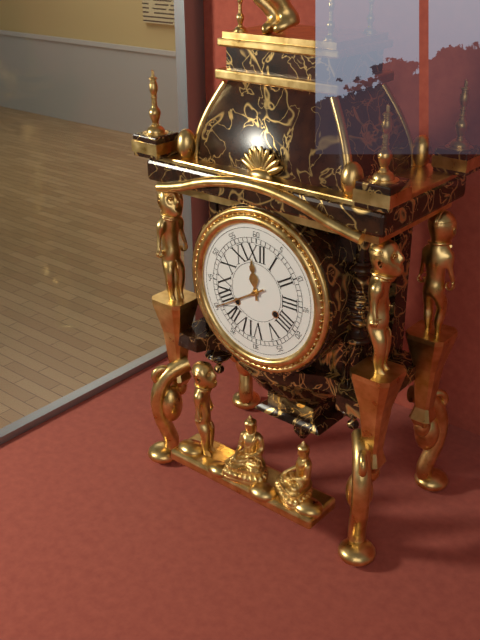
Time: 11h40
